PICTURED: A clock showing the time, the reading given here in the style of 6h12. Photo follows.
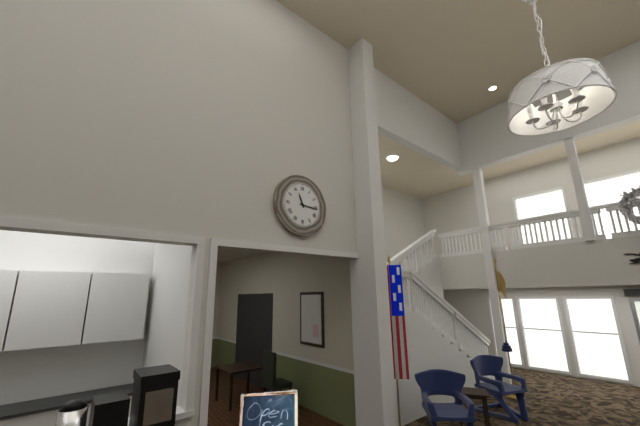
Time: 11h16
